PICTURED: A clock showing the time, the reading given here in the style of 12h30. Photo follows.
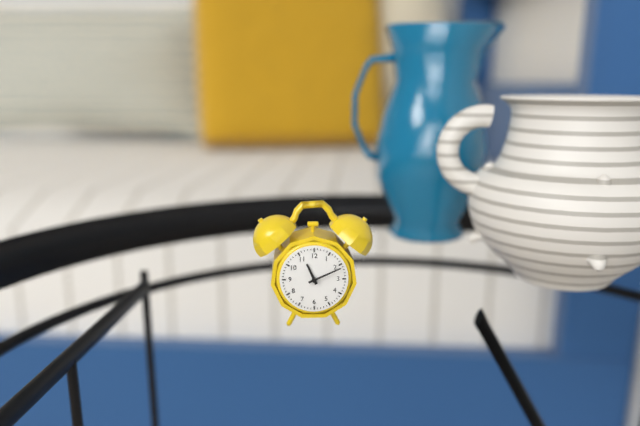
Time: 11h11
